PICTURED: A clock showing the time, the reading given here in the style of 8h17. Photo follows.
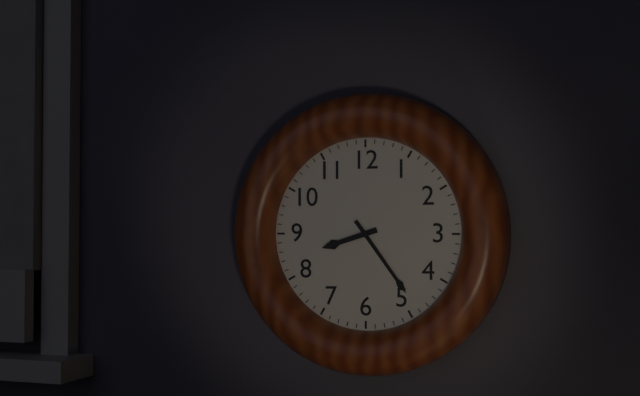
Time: 8h24
